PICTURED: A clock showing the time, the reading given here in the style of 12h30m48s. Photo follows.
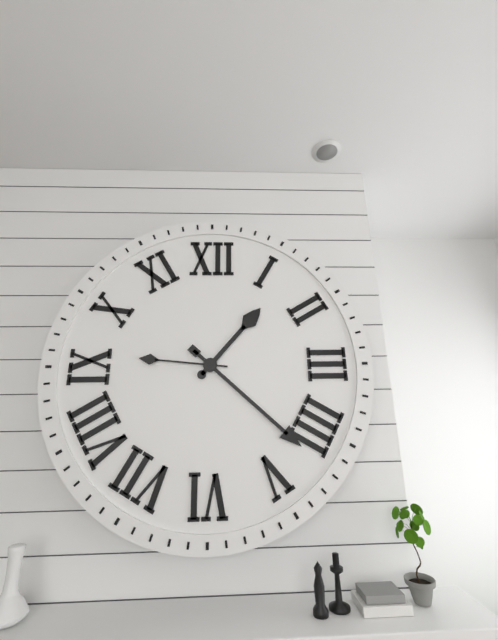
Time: 1h22m46s
